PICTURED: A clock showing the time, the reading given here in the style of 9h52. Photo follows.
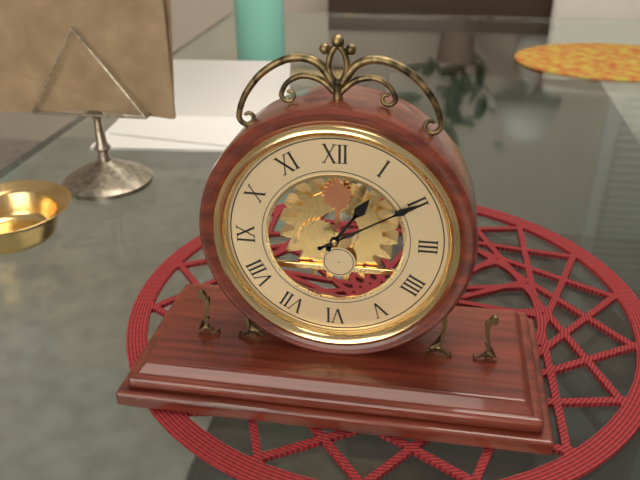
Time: 1h10
